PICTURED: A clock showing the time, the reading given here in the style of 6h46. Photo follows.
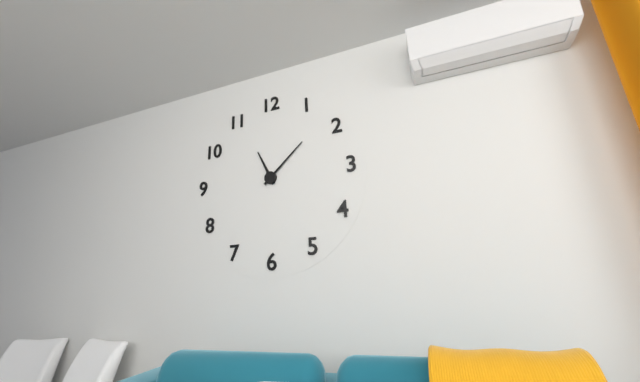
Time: 11h08
